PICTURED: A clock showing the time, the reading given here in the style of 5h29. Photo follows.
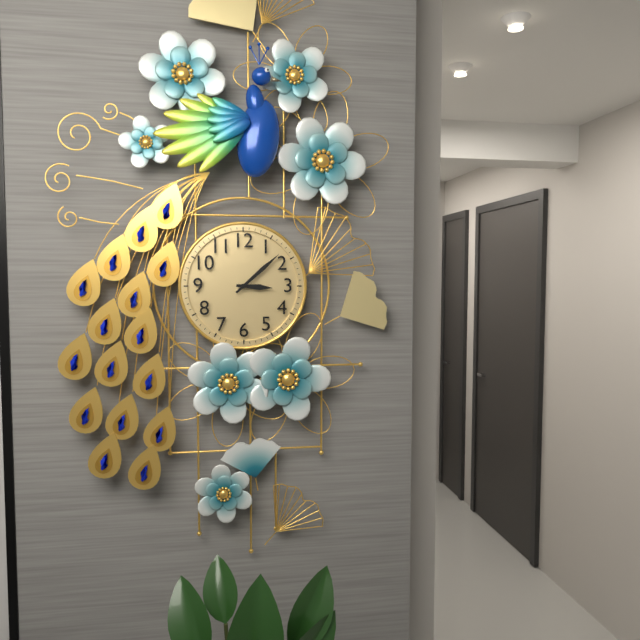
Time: 3h08
